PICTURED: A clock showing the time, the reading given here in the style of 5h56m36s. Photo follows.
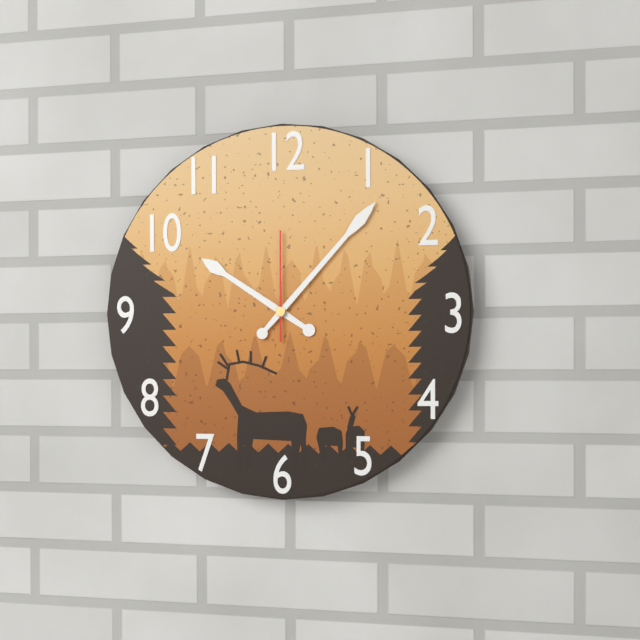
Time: 10h07m00s
